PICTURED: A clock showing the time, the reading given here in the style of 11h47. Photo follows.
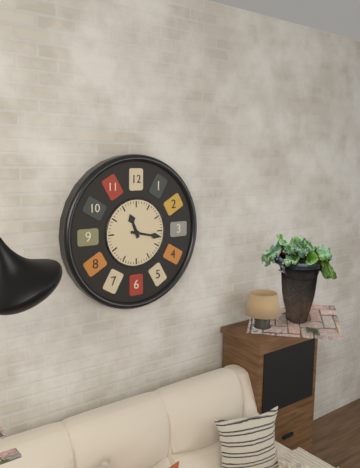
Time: 11h17
